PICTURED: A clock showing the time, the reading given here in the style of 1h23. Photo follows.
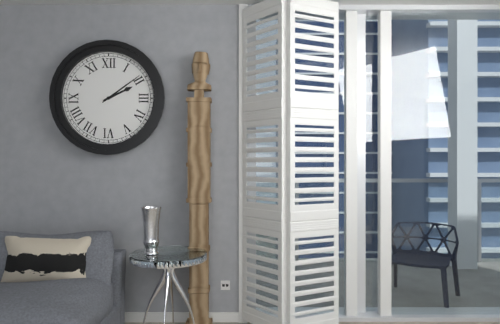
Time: 2h09
